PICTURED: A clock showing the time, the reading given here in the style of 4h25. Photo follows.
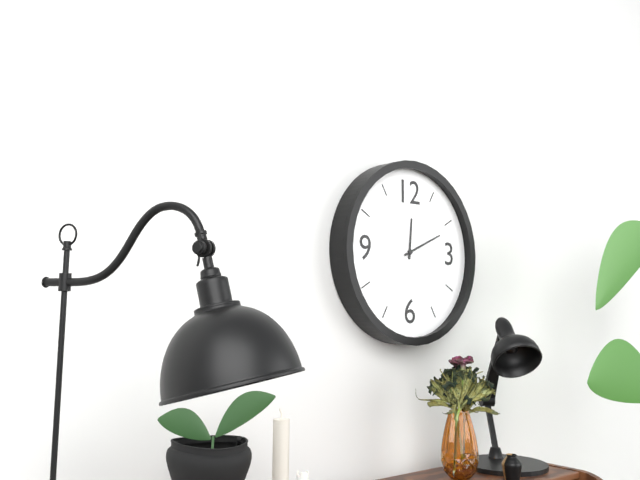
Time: 12h11
